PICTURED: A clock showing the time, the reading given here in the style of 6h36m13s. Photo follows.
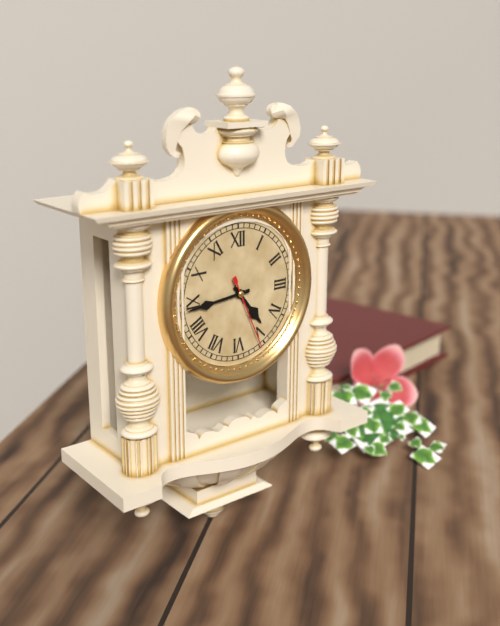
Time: 4h44m26s
